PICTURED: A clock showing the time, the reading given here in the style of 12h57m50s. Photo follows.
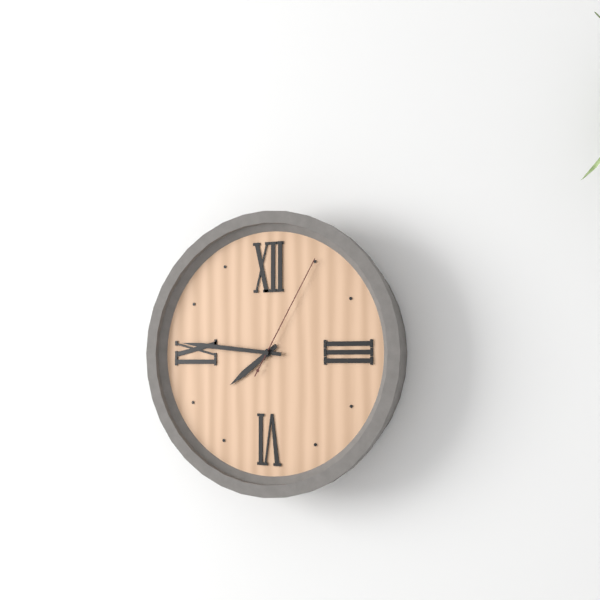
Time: 7h46m05s
